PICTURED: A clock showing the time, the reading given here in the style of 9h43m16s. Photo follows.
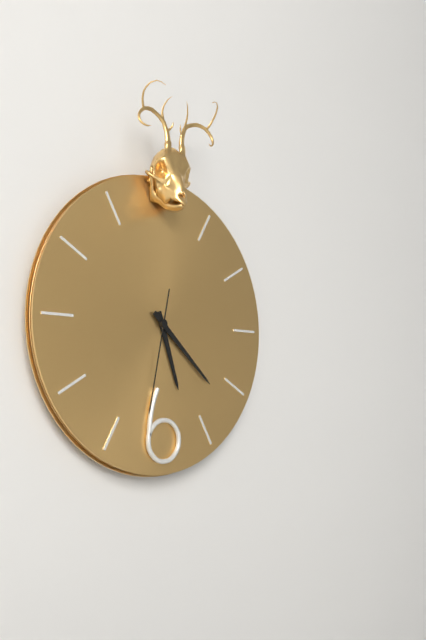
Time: 5h22m32s
